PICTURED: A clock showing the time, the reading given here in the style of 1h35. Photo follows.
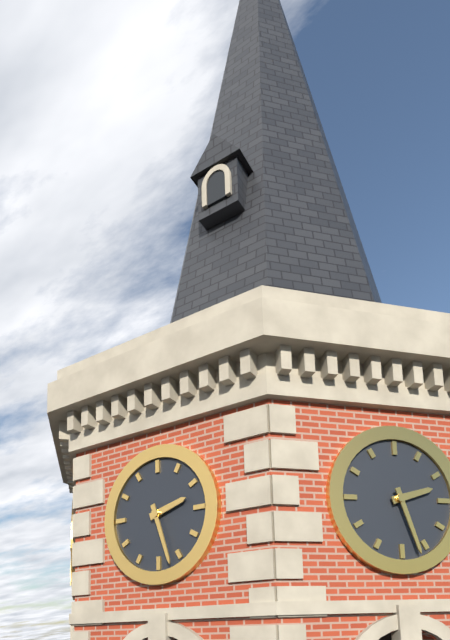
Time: 2h27
